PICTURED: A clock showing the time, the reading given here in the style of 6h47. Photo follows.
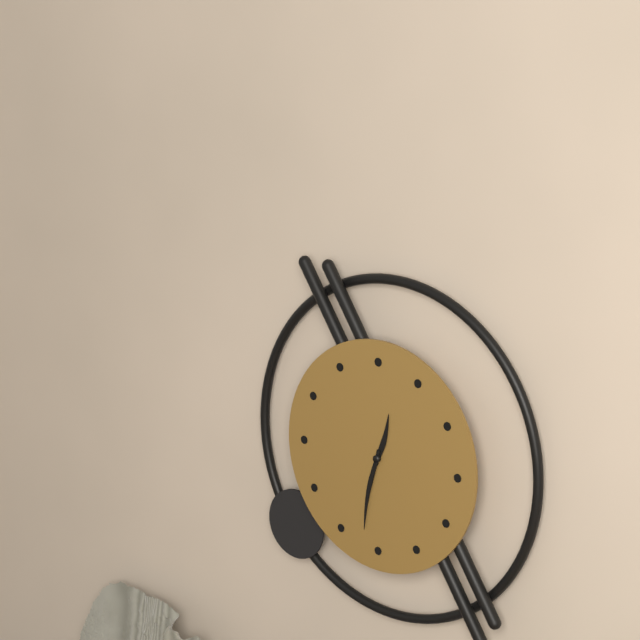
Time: 12h32
